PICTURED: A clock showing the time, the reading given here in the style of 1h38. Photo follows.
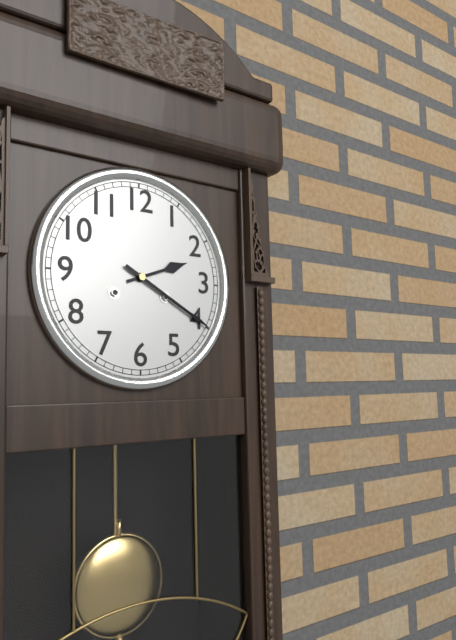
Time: 2h20
